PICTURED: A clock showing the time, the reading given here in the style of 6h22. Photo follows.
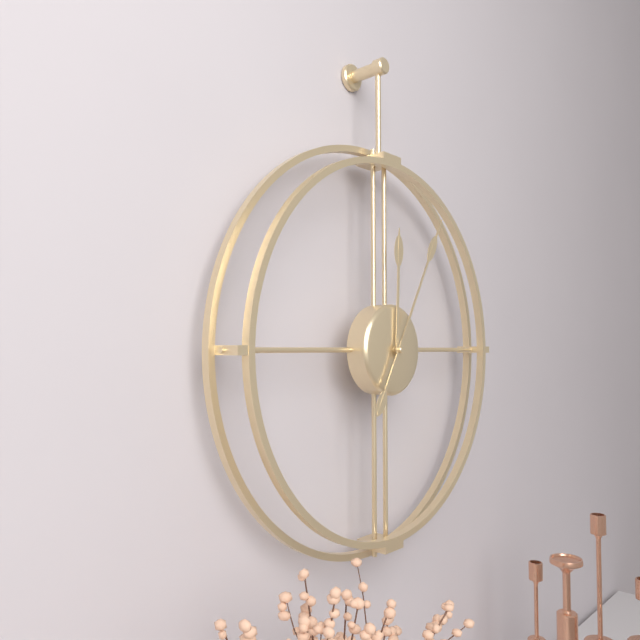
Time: 12h05
